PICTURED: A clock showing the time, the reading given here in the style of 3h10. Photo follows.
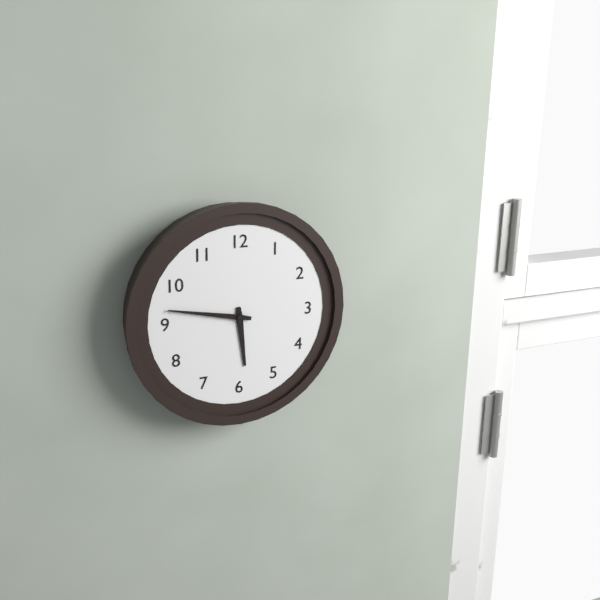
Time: 5h47
